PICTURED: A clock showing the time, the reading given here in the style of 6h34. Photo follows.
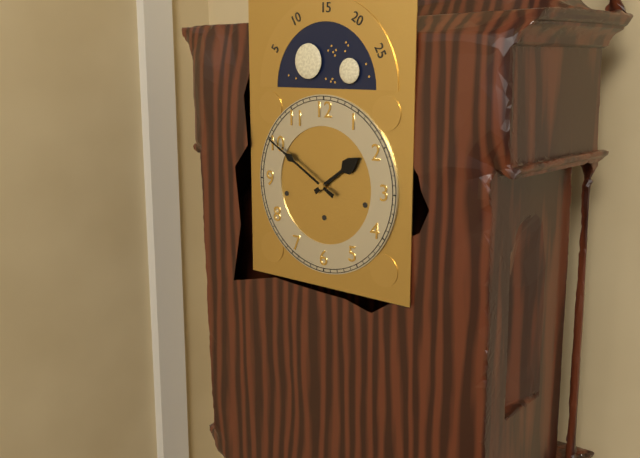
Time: 1h50
